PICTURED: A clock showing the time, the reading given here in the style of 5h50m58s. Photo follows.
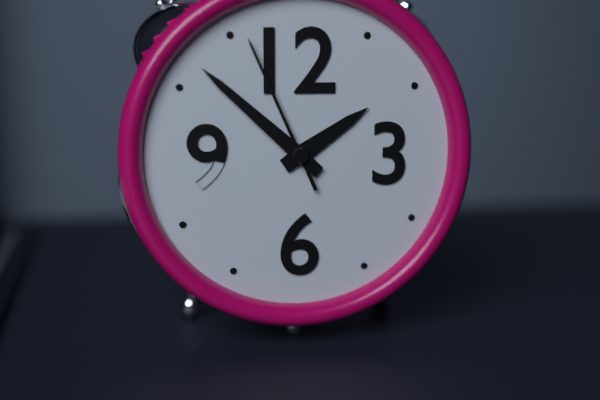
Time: 1h52m56s
